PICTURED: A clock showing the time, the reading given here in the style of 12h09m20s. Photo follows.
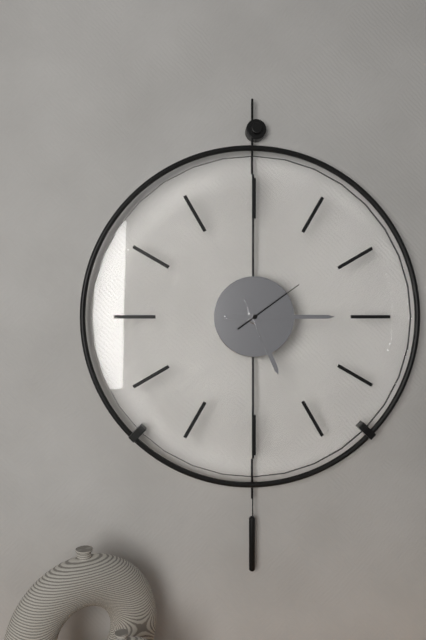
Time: 5h15m09s
